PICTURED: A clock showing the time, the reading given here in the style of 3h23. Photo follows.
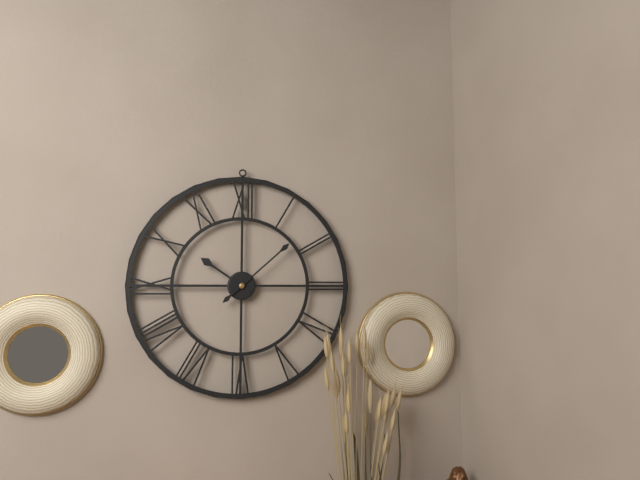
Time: 10h08
